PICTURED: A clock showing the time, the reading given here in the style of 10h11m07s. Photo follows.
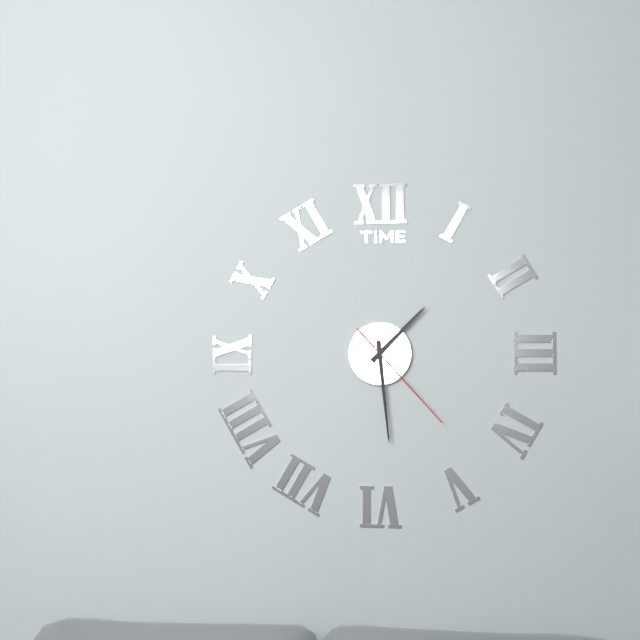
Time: 1h29m23s
